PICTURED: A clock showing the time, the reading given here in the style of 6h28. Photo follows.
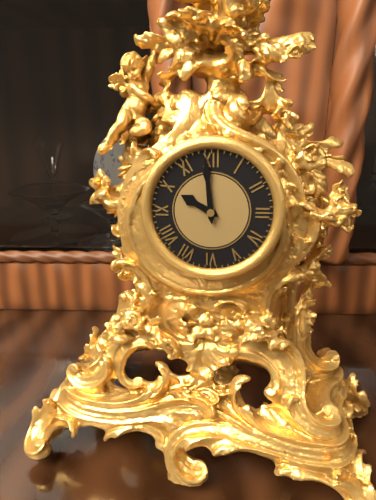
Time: 9h59
